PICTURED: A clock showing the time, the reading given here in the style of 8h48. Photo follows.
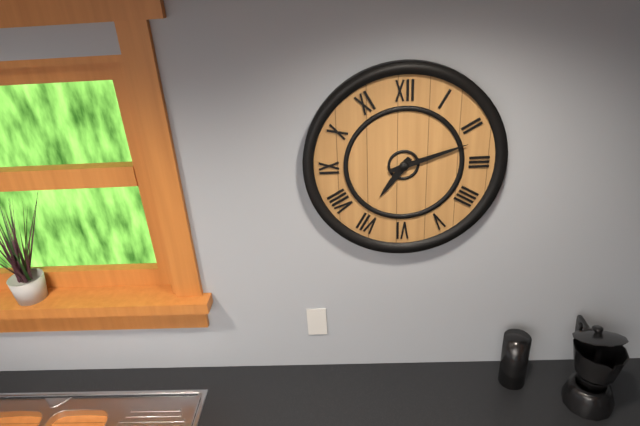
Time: 7h12
